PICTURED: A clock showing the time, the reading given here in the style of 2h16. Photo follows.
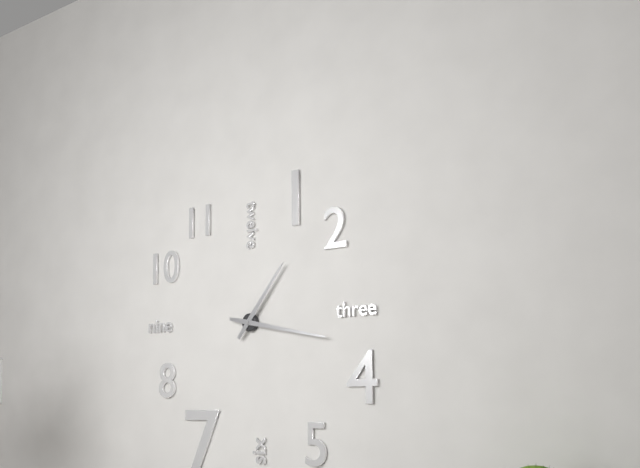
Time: 1h17
